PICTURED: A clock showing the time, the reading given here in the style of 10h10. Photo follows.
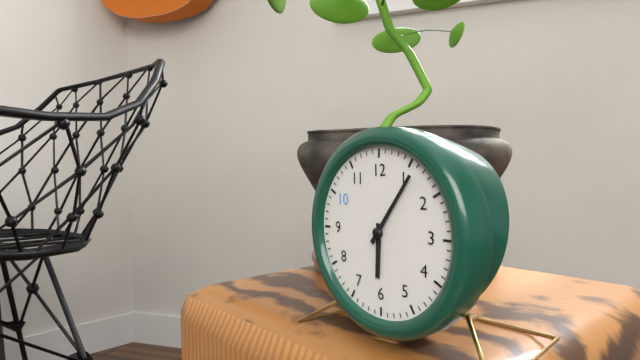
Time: 6h06
